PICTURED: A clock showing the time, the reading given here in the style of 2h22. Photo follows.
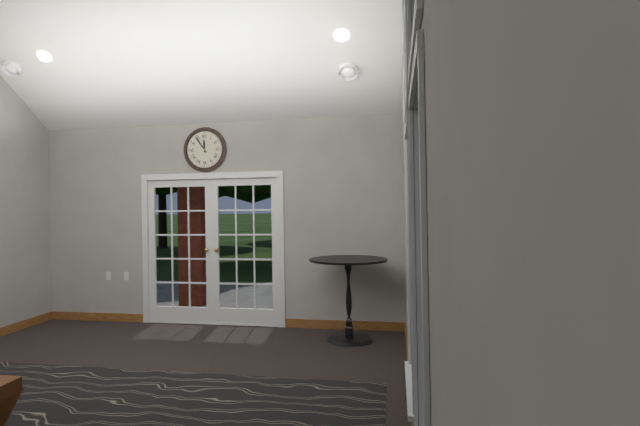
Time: 11h54
